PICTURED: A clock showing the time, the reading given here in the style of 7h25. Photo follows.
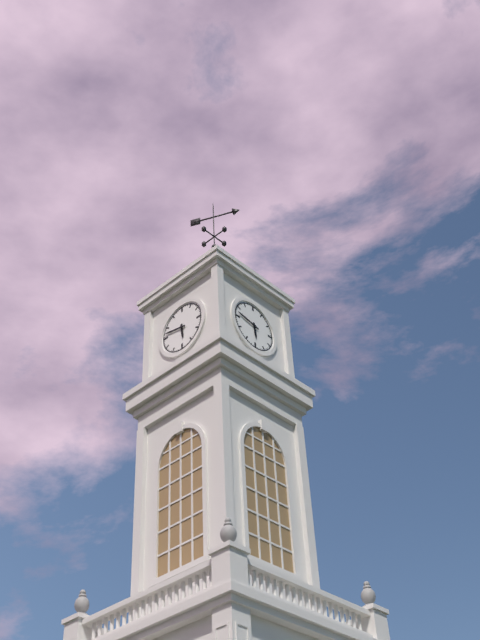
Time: 5h47
